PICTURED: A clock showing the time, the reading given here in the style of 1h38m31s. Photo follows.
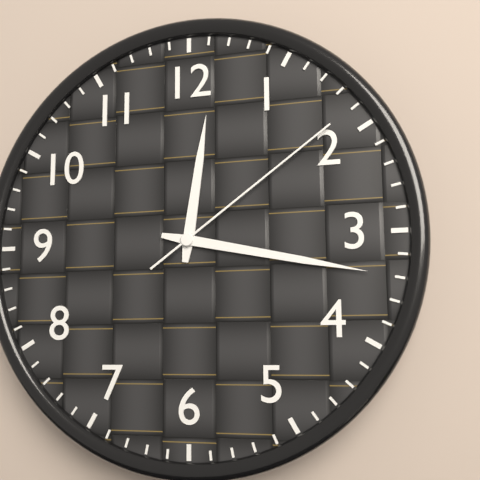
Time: 12h17m09s
